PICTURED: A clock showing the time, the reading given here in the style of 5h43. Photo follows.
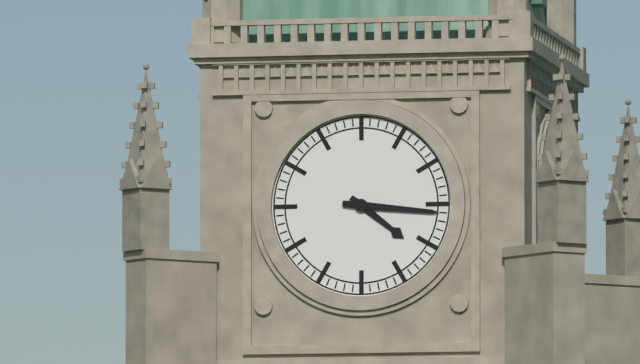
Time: 4h16
